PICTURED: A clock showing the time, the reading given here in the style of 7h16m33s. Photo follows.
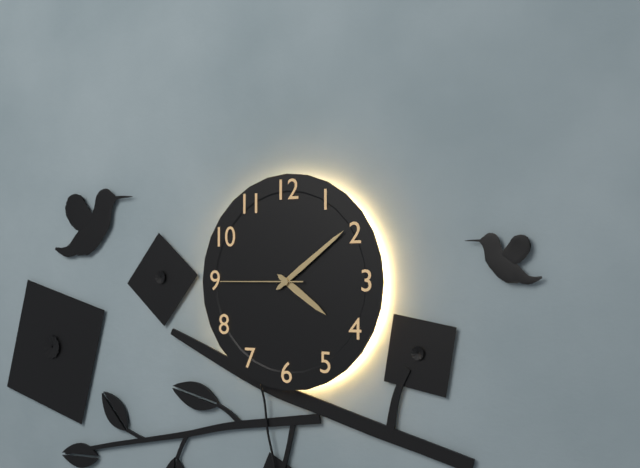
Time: 4h09m45s
